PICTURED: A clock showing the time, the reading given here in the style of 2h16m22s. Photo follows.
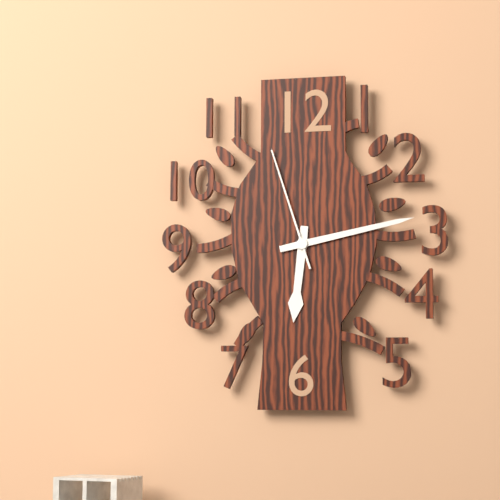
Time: 6h13m57s
